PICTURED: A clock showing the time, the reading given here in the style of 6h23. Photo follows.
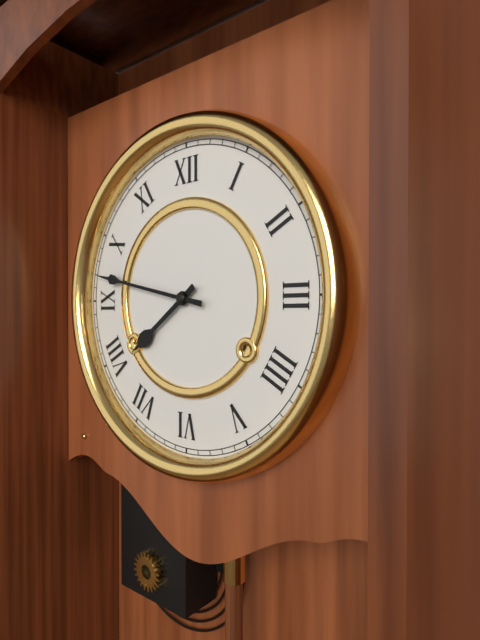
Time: 7h47
